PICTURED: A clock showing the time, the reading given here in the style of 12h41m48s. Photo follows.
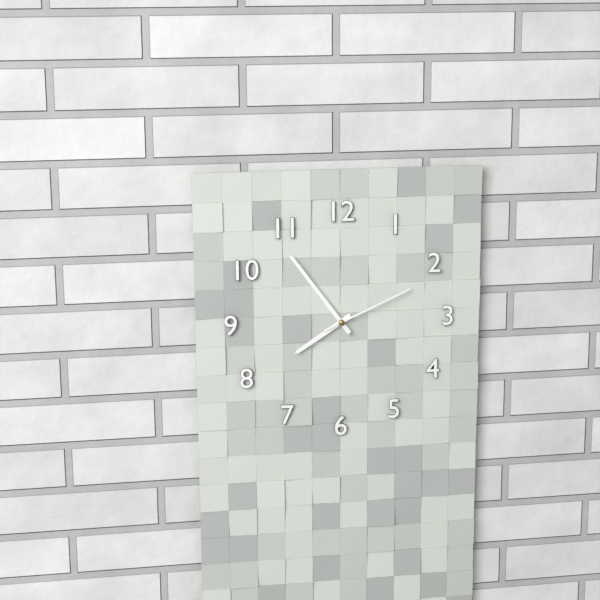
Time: 7h54m11s
